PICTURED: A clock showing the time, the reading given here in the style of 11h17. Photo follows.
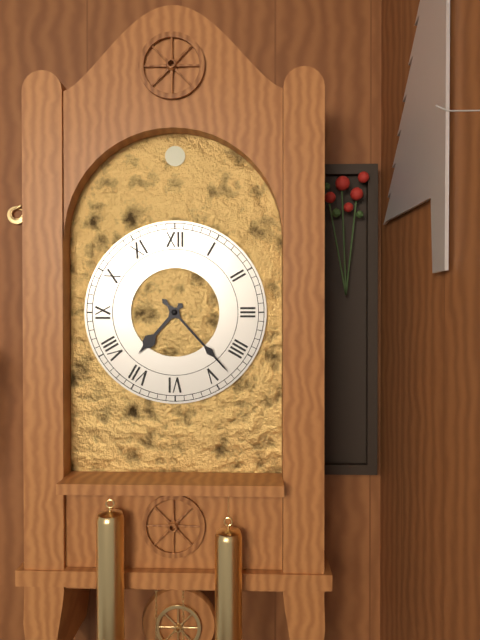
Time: 7h23
